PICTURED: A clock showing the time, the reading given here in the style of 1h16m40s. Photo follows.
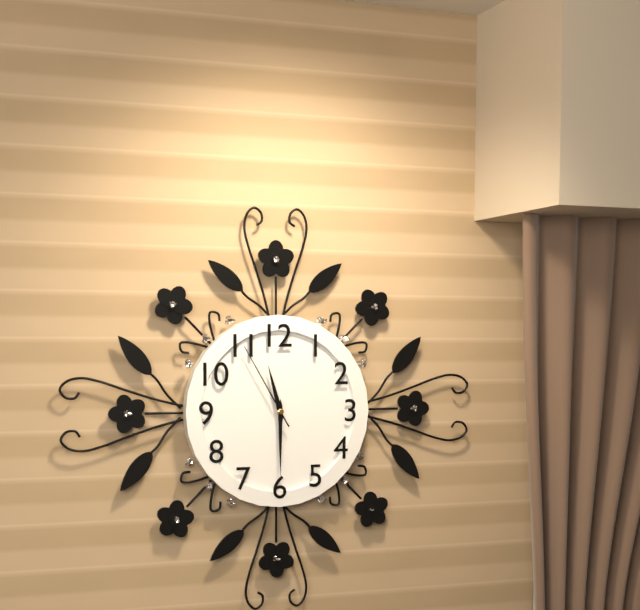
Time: 11h30m55s
